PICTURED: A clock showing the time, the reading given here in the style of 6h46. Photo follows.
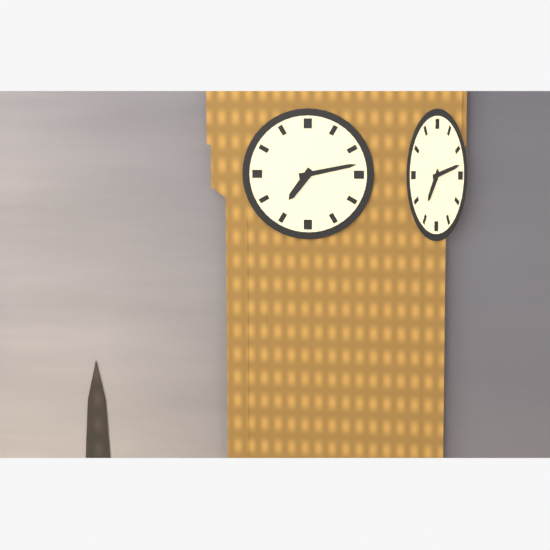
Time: 7h13
